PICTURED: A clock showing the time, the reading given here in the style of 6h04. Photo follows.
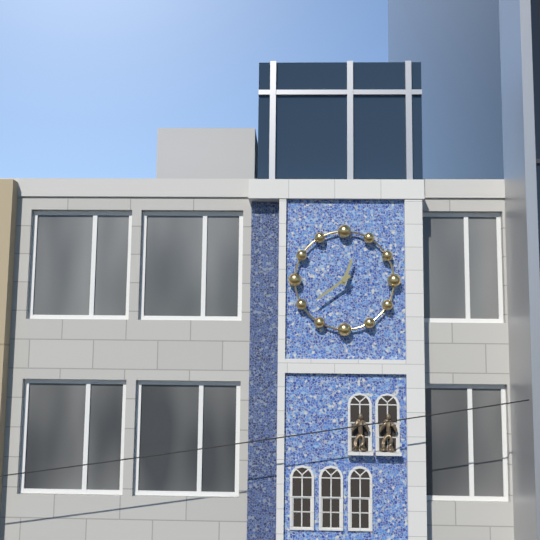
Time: 12h39
